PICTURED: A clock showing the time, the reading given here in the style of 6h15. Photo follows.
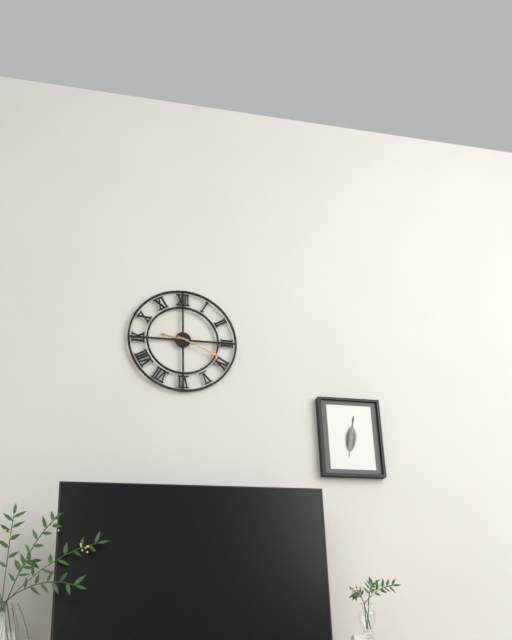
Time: 9h19
